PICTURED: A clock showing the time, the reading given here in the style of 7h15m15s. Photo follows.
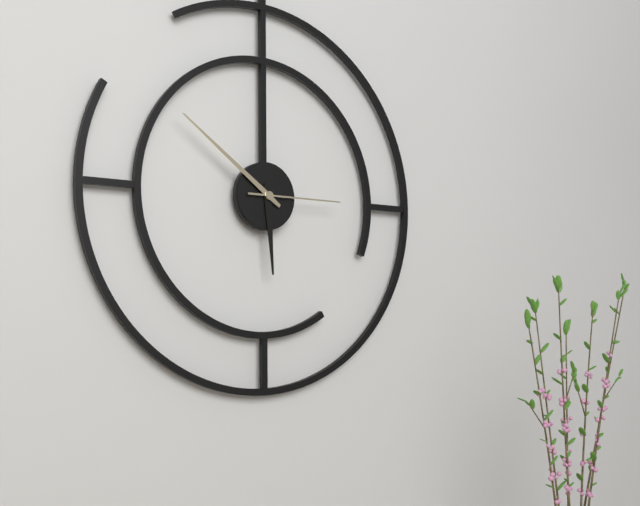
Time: 5h51m15s
